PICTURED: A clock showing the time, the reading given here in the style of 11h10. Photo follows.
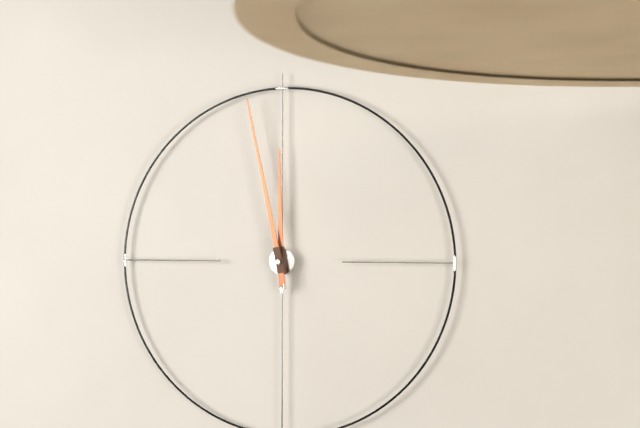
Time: 11h58
